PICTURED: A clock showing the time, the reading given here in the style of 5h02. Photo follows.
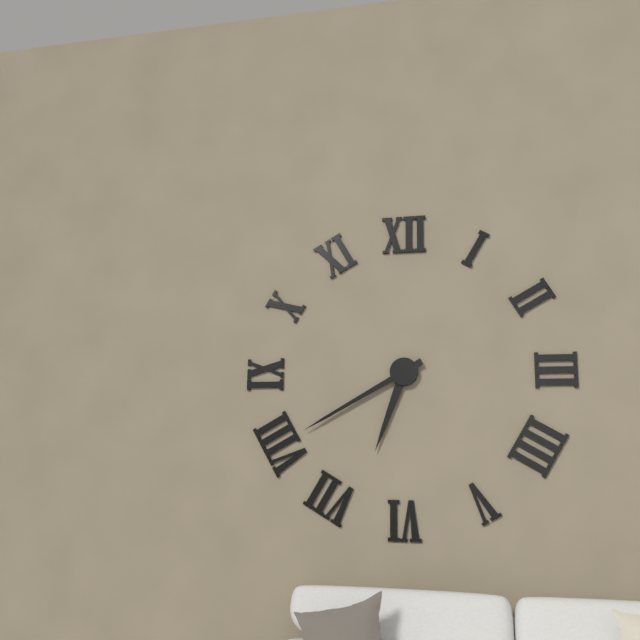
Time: 6h40
